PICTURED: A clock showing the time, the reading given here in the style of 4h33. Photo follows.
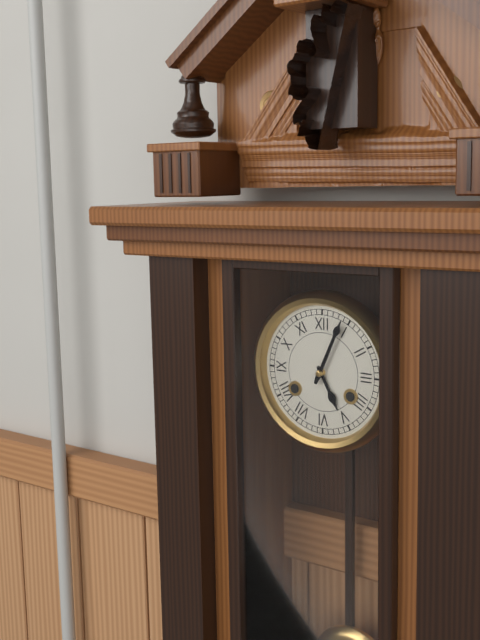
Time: 5h04
